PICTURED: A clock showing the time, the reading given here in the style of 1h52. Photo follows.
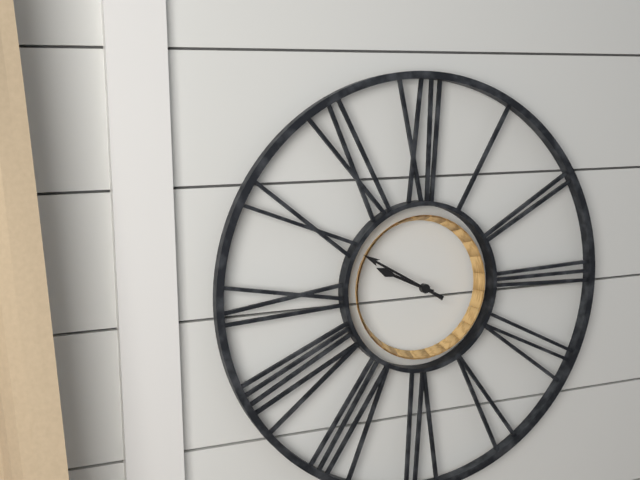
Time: 9h50
